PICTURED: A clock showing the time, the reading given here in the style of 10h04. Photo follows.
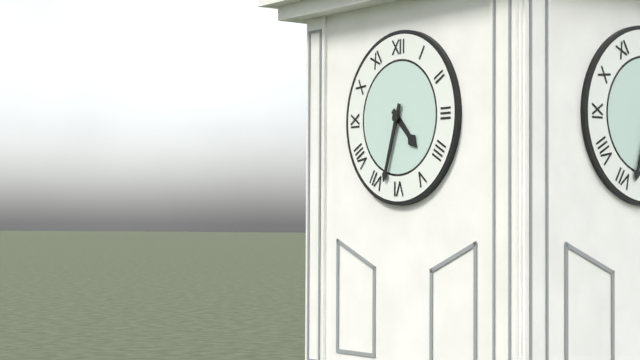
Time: 4h33
